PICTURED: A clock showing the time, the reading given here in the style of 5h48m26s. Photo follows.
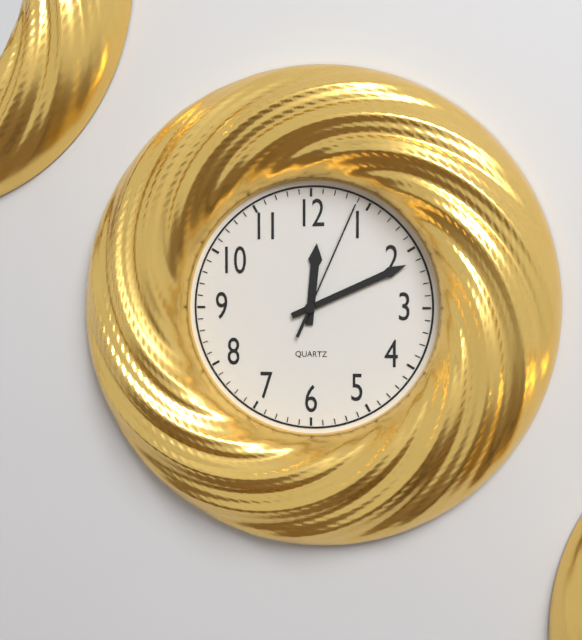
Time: 12h11m04s
